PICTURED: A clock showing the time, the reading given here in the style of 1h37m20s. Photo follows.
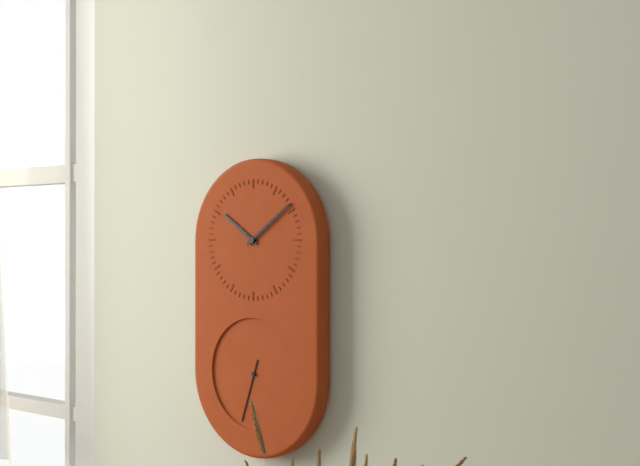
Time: 10h09m33s
